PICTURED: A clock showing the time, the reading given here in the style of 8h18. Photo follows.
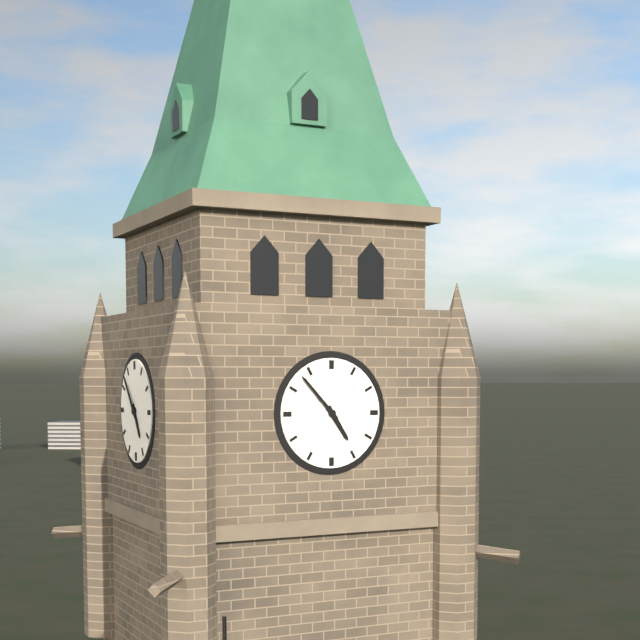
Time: 4h53
